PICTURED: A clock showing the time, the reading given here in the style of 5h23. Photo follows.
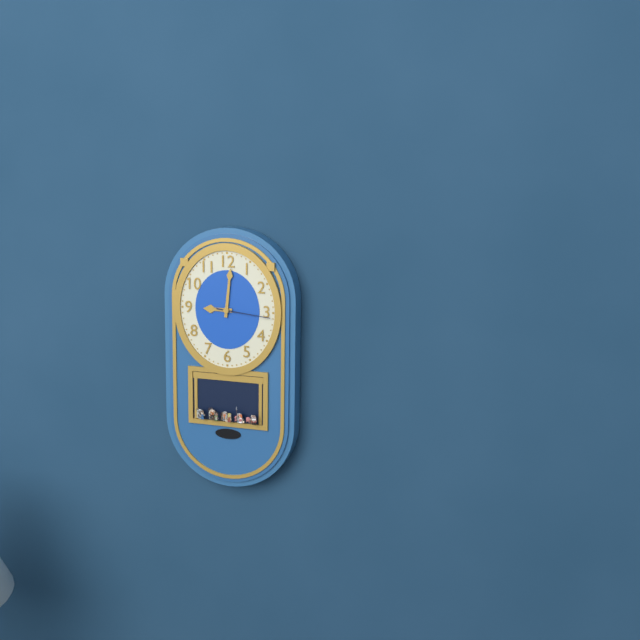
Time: 9h01
